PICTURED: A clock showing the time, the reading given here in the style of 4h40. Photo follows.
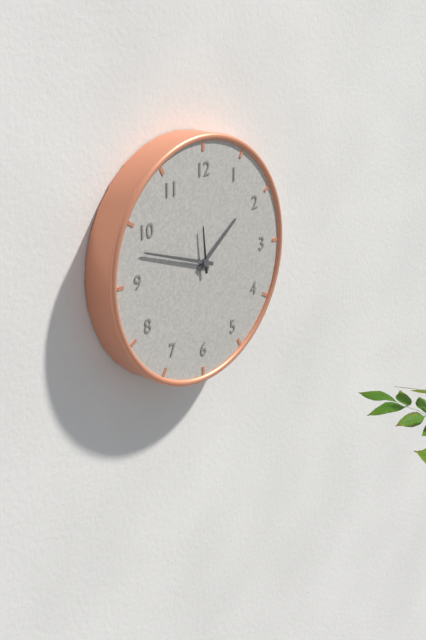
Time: 1h48
